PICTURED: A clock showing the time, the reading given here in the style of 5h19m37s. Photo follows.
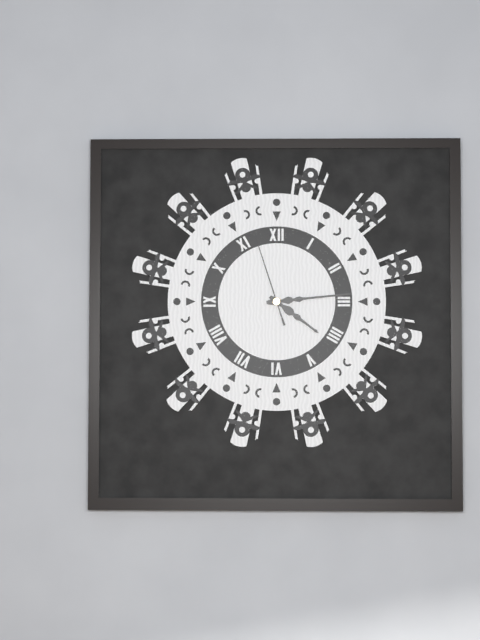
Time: 4h14m57s
